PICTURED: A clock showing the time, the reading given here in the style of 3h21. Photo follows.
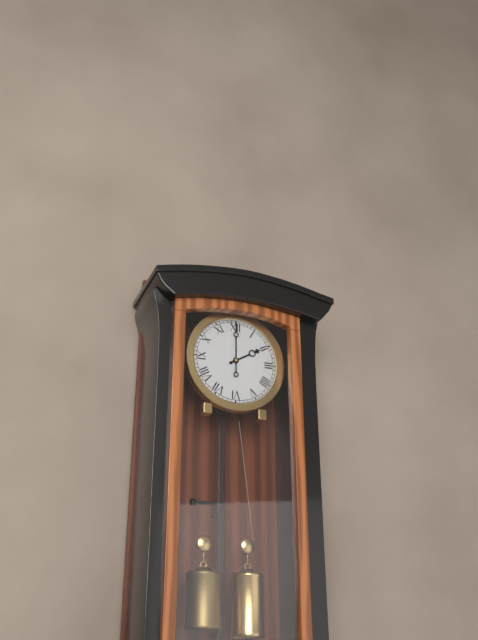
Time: 2h00
